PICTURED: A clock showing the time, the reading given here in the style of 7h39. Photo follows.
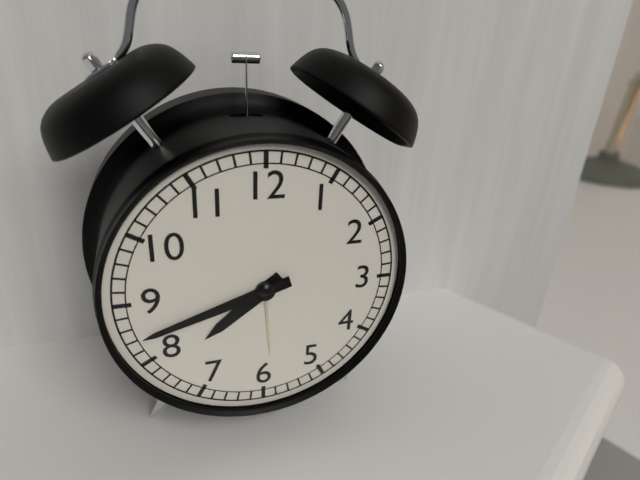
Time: 7h42
